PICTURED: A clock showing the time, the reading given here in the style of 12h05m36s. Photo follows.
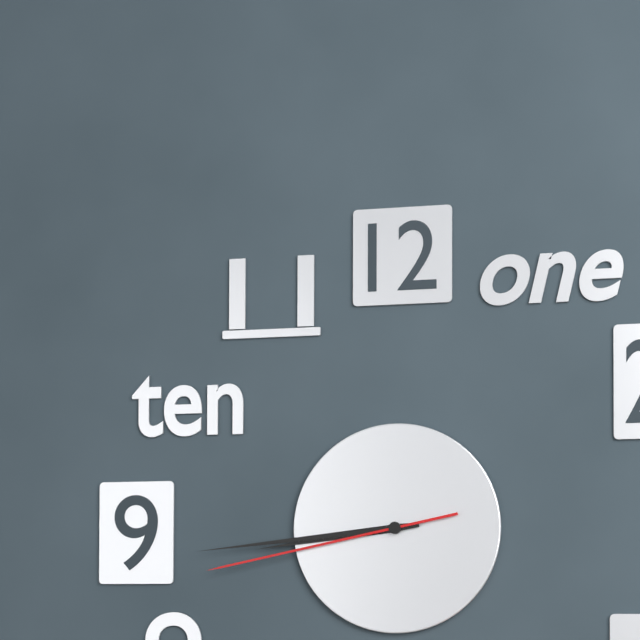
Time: 8h44m43s
